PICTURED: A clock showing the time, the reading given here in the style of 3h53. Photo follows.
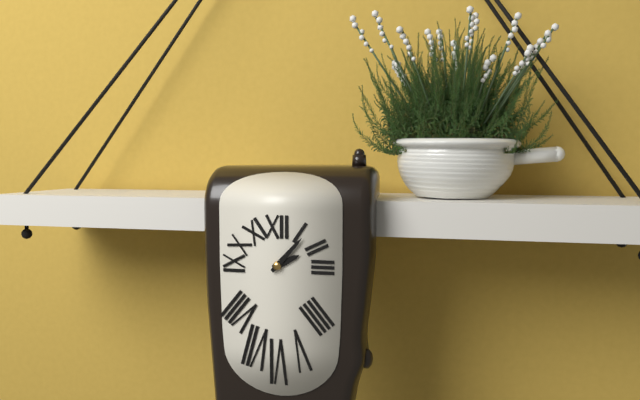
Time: 2h07
